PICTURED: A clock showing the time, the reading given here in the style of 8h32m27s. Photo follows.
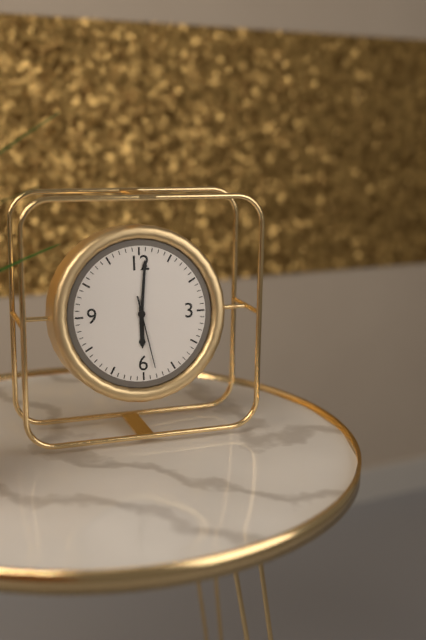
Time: 6h01m28s
